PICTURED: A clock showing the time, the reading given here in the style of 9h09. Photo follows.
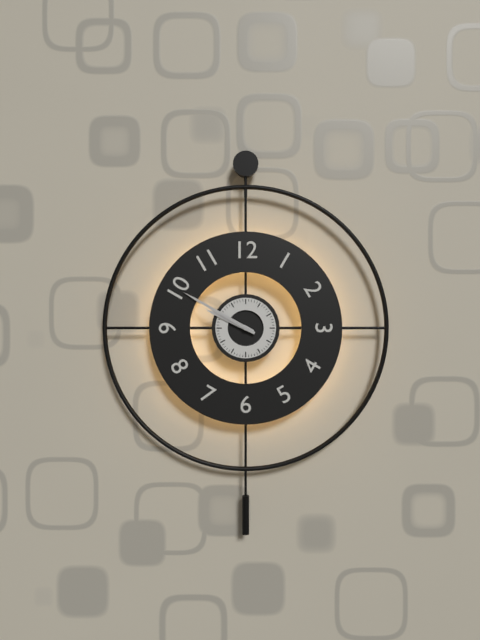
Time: 9h50
